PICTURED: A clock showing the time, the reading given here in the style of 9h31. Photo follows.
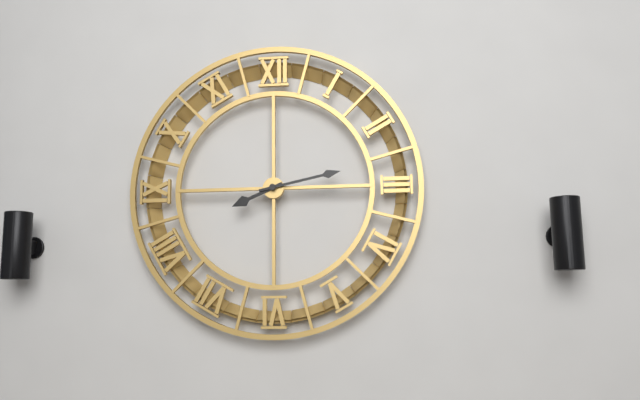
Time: 8h13
